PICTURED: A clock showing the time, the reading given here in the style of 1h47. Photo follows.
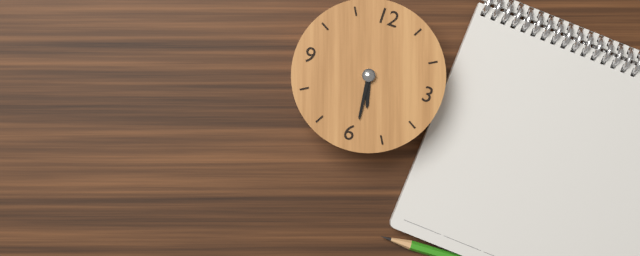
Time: 5h29
